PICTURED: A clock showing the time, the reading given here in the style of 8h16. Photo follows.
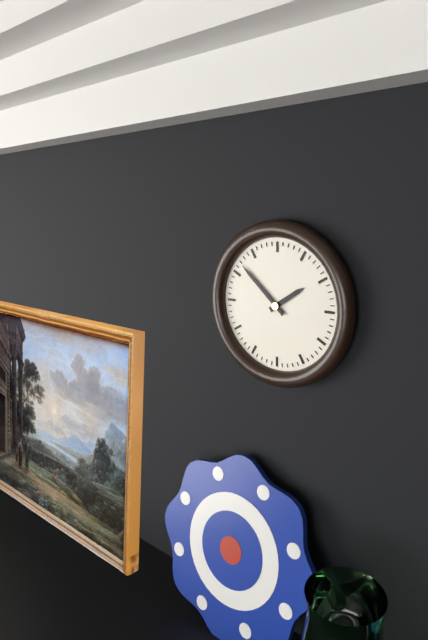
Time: 1h52
